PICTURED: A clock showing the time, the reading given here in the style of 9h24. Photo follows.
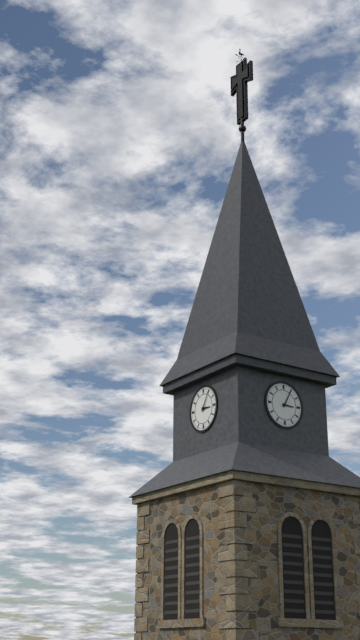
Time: 3h05
